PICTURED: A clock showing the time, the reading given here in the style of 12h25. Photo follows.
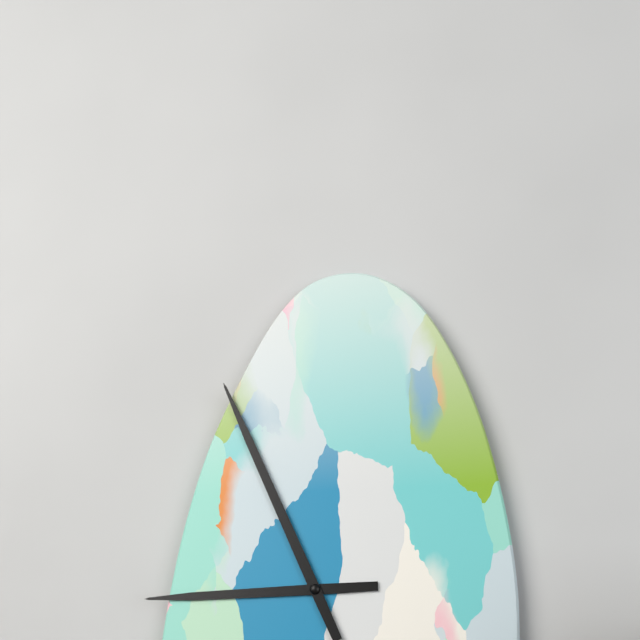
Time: 8h56
